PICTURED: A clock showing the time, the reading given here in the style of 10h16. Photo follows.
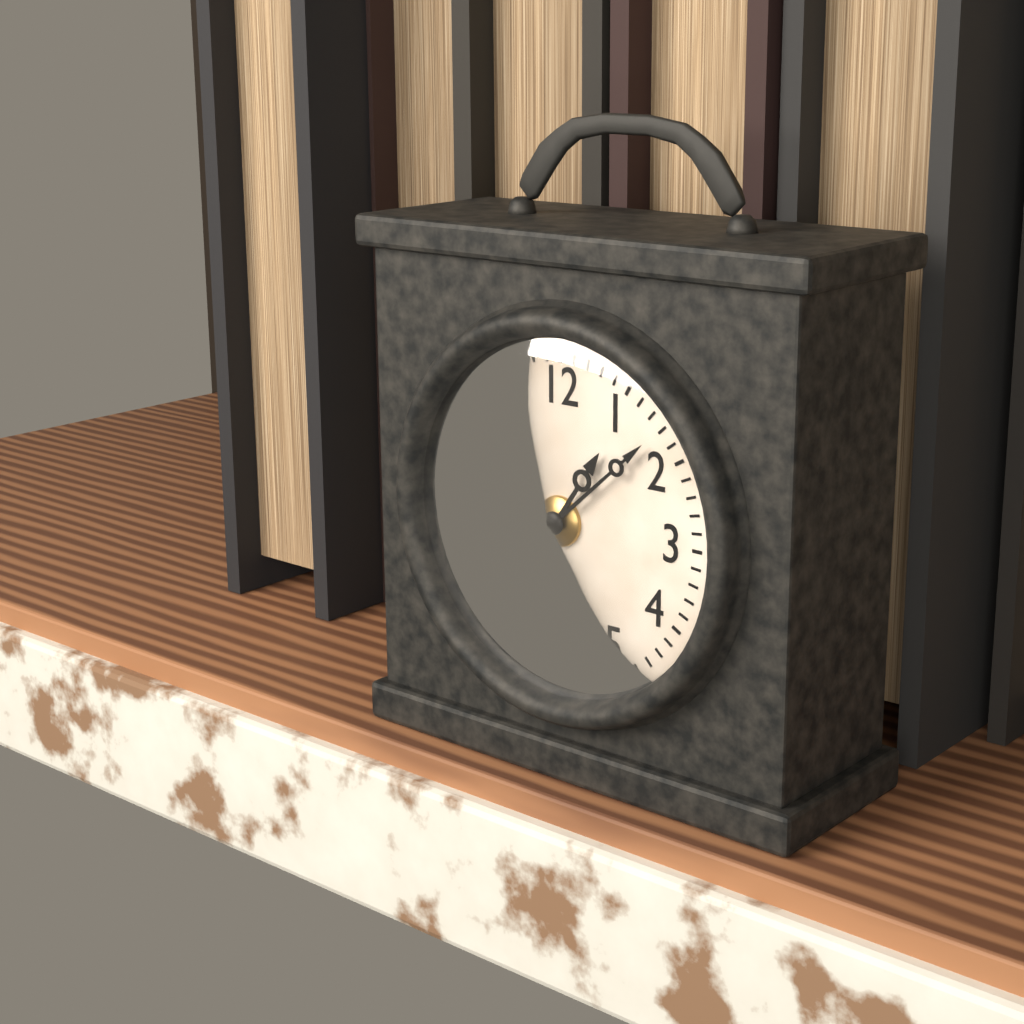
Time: 1h08
